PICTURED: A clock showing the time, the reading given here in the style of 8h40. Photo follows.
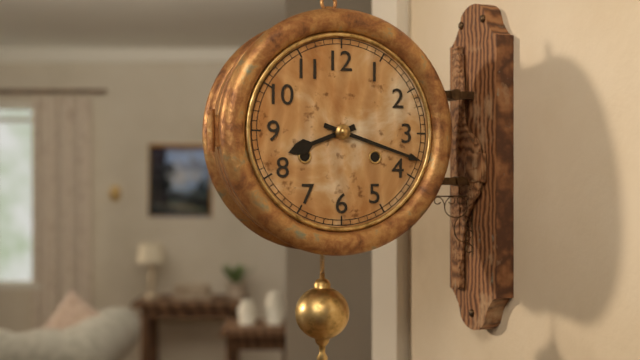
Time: 8h18
